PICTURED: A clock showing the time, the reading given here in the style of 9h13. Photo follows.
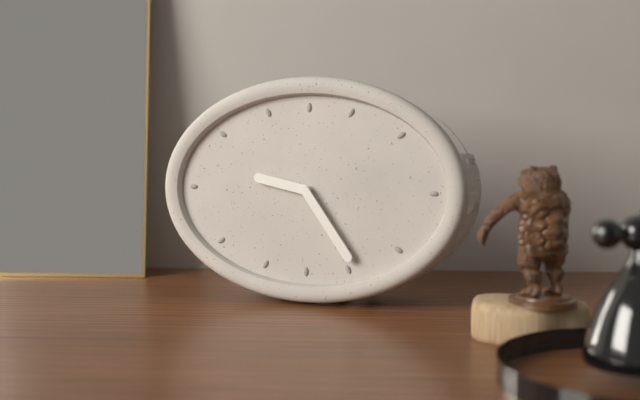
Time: 9h24
